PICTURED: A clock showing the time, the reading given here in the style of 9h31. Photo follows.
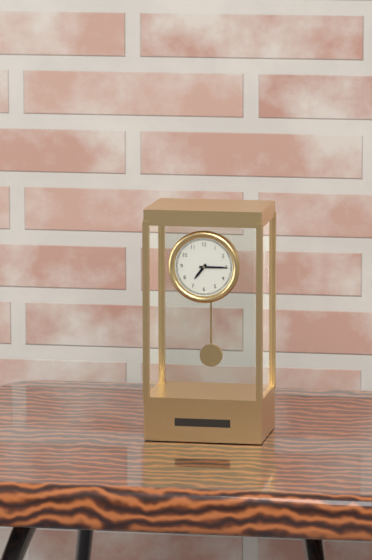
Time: 7h15
